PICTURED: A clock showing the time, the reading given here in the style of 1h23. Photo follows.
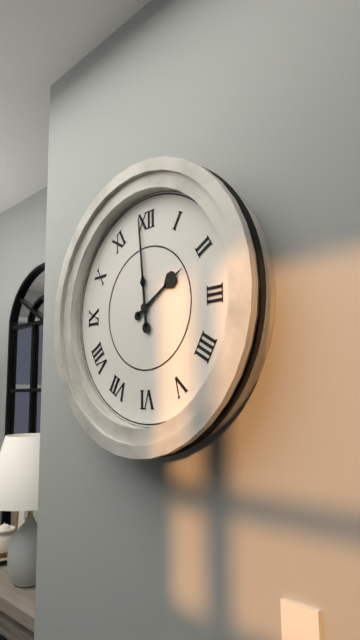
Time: 1h59
